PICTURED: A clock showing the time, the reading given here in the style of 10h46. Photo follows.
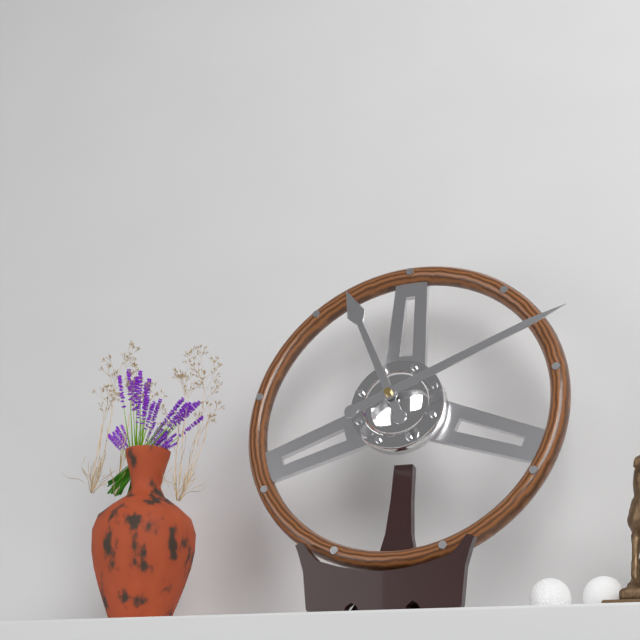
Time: 11h11
